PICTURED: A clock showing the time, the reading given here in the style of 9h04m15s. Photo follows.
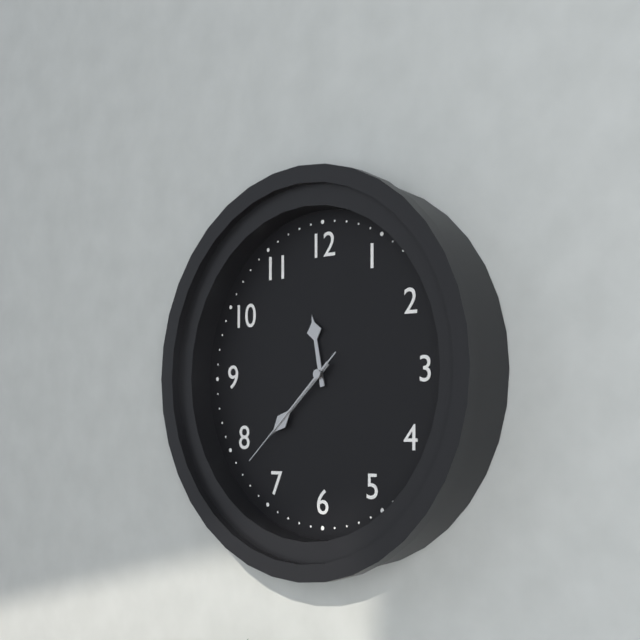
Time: 11h38m38s
